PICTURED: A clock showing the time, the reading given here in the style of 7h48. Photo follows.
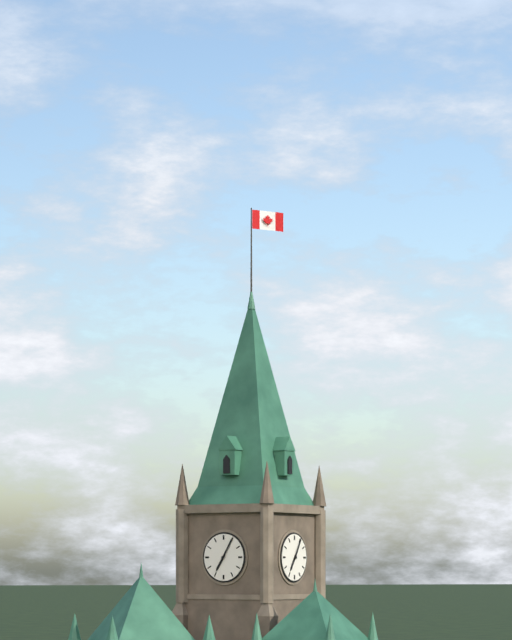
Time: 7h05
